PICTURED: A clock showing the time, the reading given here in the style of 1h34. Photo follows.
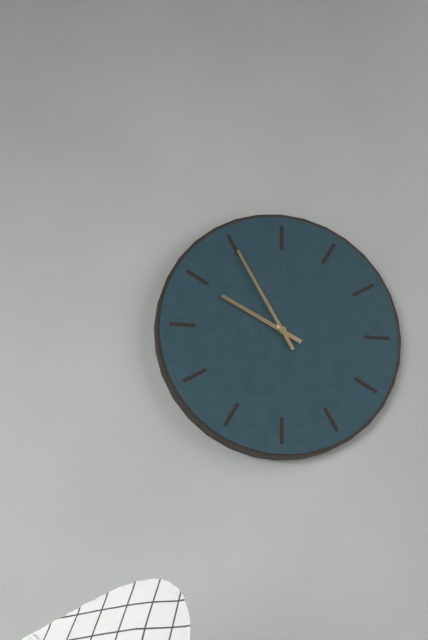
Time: 9h55
